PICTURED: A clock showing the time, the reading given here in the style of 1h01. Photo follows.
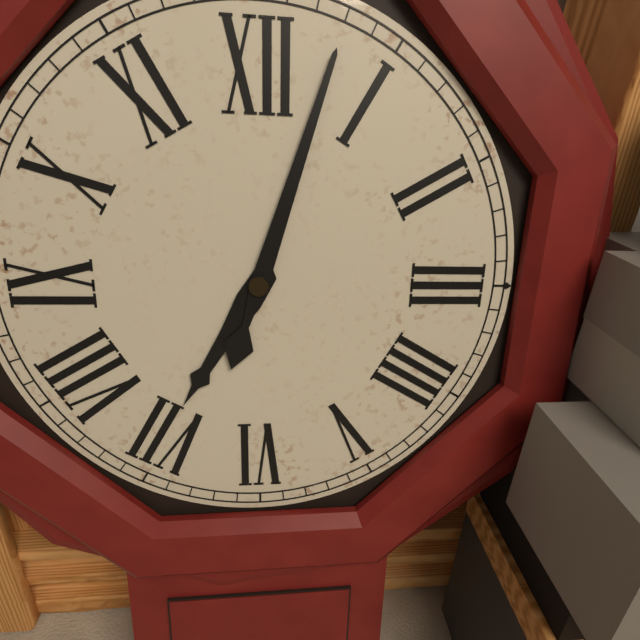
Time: 7h03
